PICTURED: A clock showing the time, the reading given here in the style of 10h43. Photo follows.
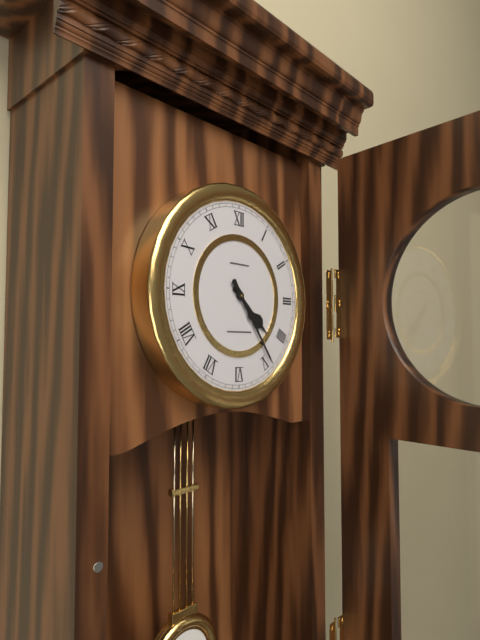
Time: 4h24
